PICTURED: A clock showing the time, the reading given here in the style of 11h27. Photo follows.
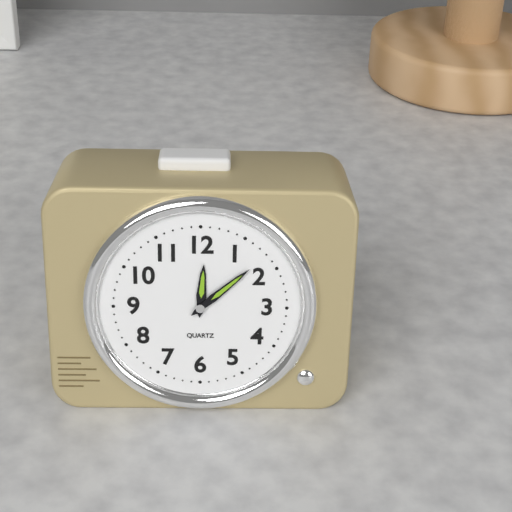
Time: 12h08
